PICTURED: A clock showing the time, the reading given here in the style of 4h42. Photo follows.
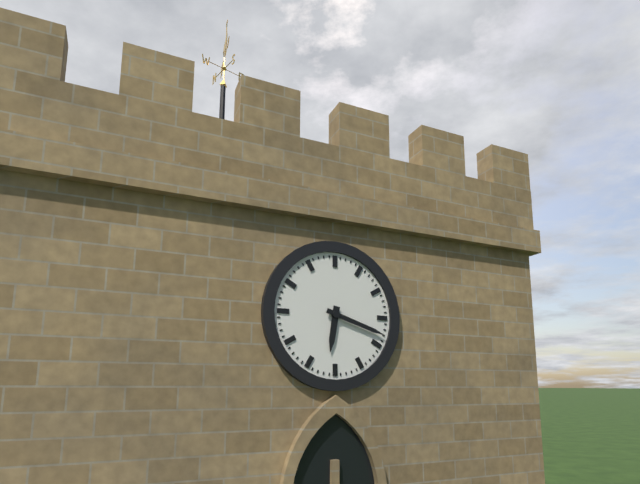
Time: 6h18
